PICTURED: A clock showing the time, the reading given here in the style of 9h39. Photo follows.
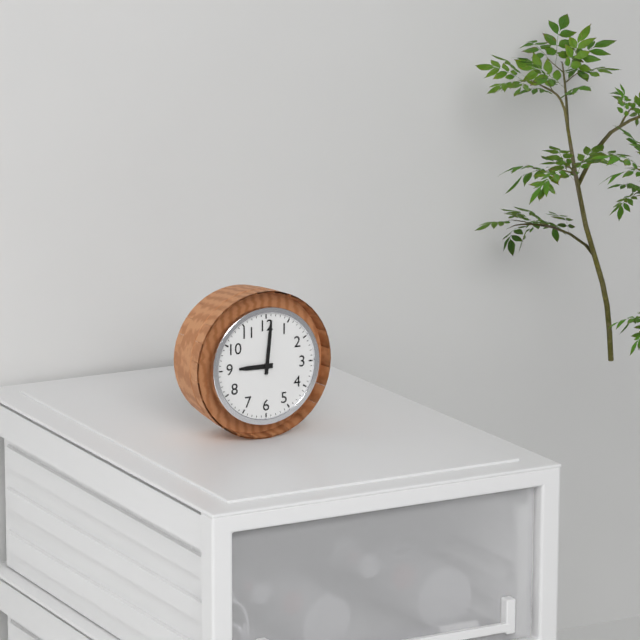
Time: 9h01
